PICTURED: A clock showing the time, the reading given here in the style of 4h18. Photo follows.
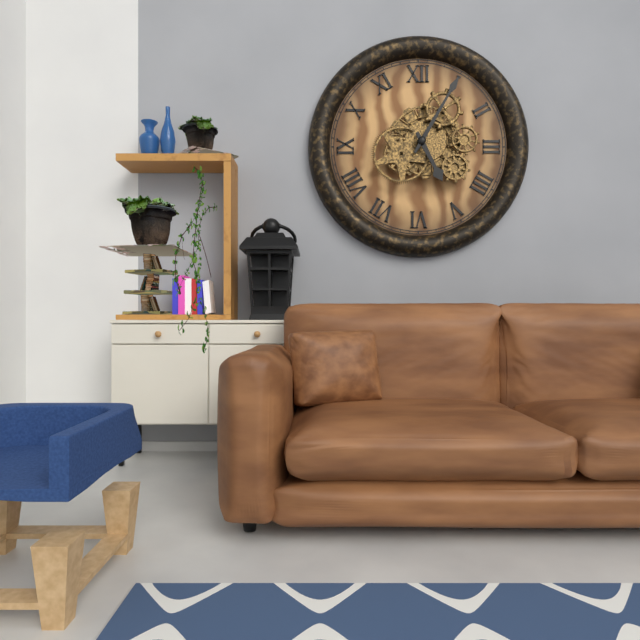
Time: 5h05
